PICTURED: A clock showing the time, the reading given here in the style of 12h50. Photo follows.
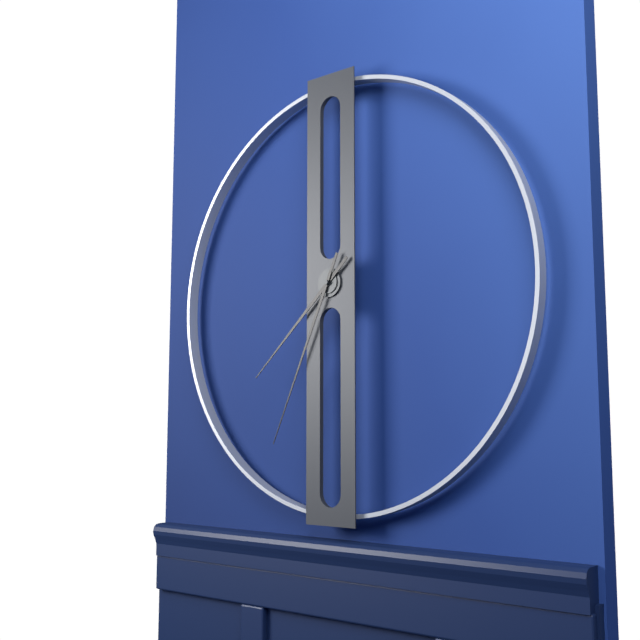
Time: 7h34
